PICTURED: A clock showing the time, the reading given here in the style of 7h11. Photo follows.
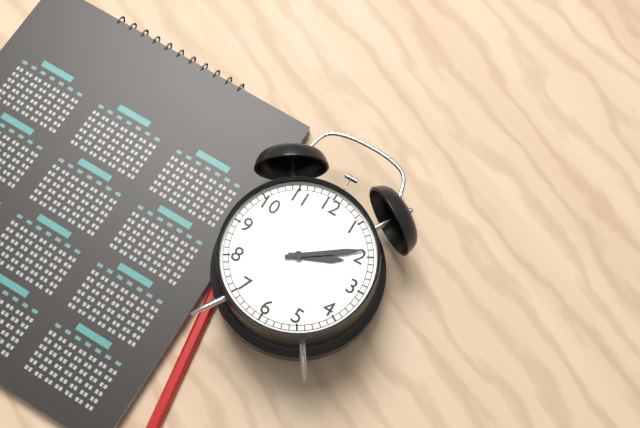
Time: 2h09
